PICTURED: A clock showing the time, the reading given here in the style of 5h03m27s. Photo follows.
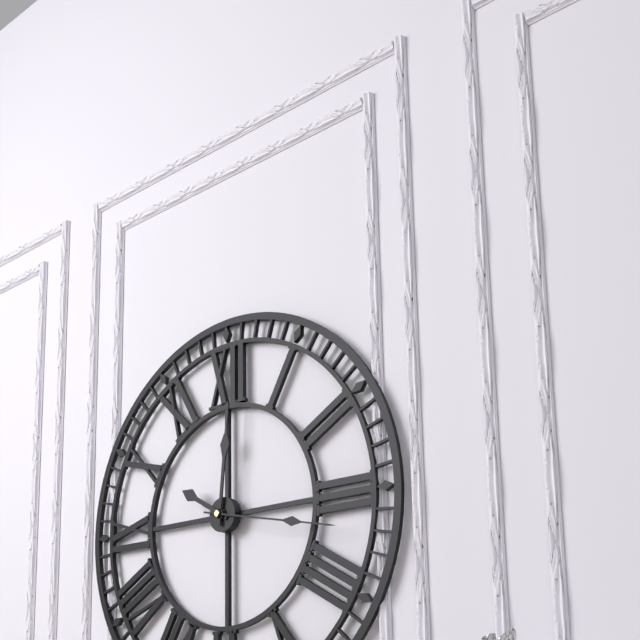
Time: 10h01m17s
